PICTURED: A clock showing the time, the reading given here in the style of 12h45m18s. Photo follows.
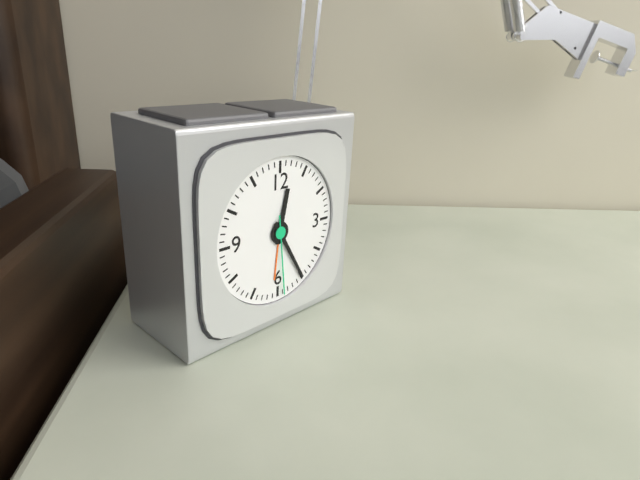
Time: 12h25m29s
